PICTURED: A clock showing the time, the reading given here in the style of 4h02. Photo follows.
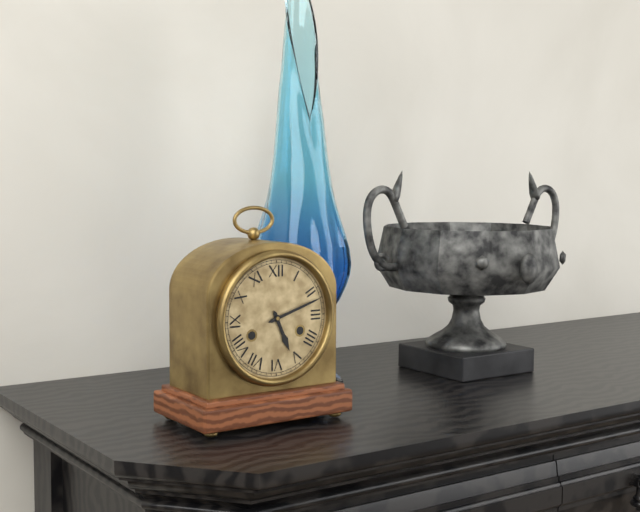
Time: 5h12
